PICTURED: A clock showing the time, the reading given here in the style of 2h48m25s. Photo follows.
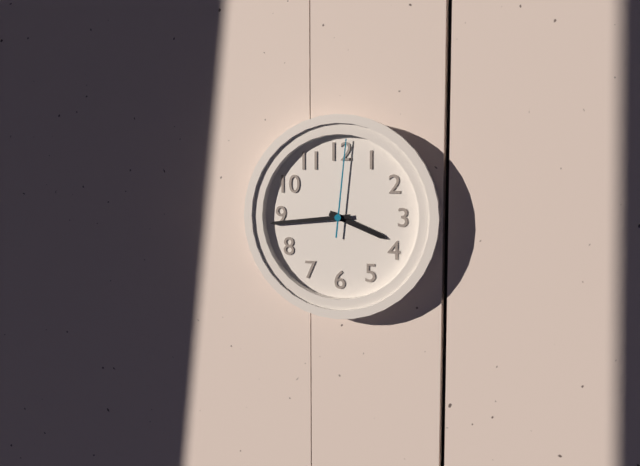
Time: 3h44m01s
